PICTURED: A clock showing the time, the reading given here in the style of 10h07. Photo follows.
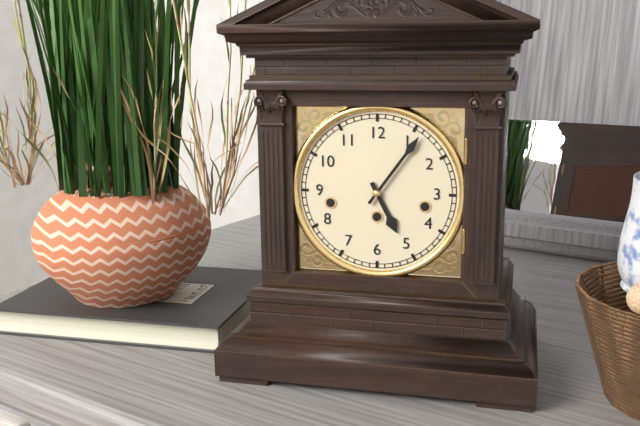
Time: 5h06
